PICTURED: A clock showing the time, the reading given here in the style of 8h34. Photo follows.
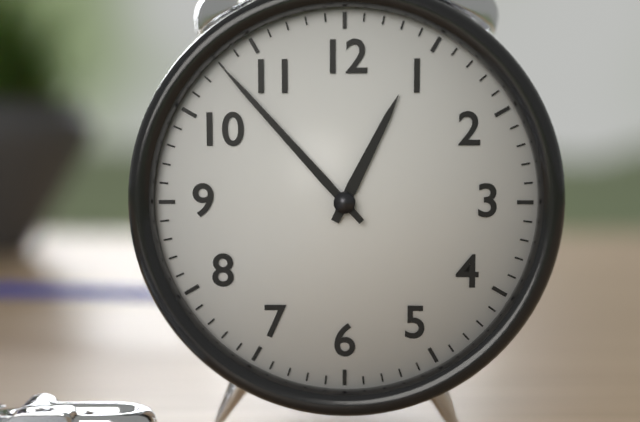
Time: 12h53
